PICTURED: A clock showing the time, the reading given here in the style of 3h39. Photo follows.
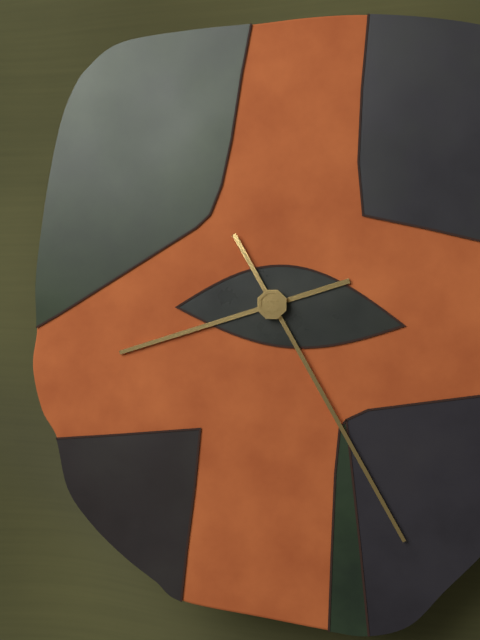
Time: 8h25
